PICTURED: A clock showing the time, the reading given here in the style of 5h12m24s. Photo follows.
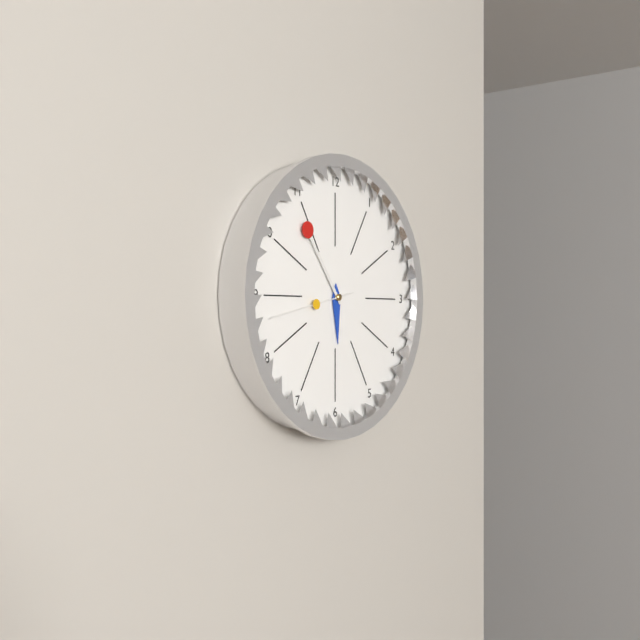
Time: 5h54m43s
